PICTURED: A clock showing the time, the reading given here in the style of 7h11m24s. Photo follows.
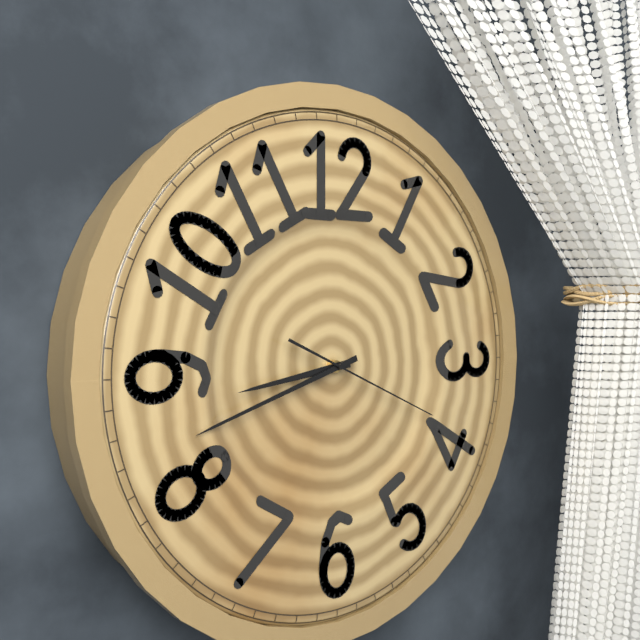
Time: 8h42m19s
